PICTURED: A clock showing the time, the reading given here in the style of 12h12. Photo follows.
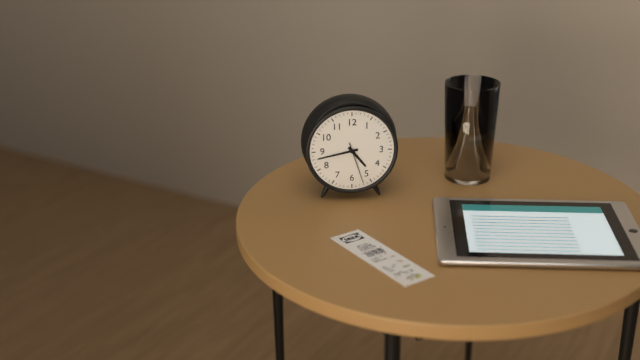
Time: 4h43
